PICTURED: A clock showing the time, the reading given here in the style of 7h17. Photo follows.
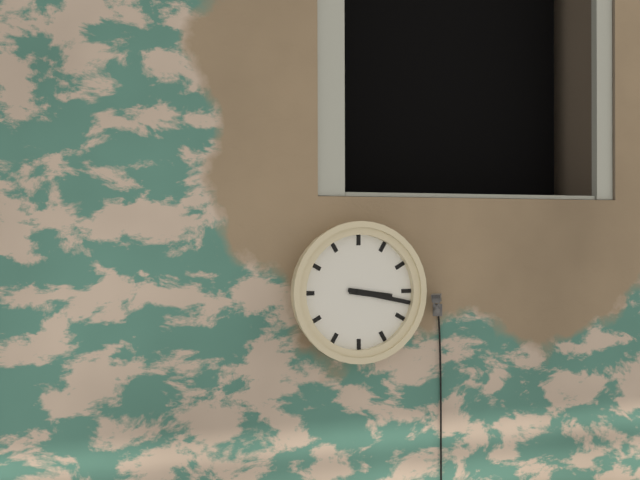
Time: 3h17
